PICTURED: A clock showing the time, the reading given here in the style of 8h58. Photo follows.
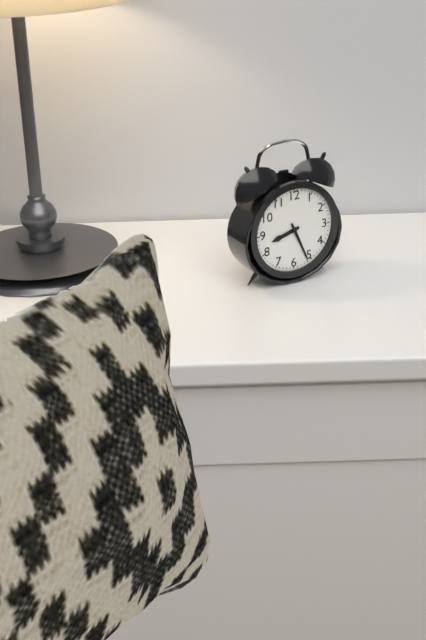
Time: 8h26
